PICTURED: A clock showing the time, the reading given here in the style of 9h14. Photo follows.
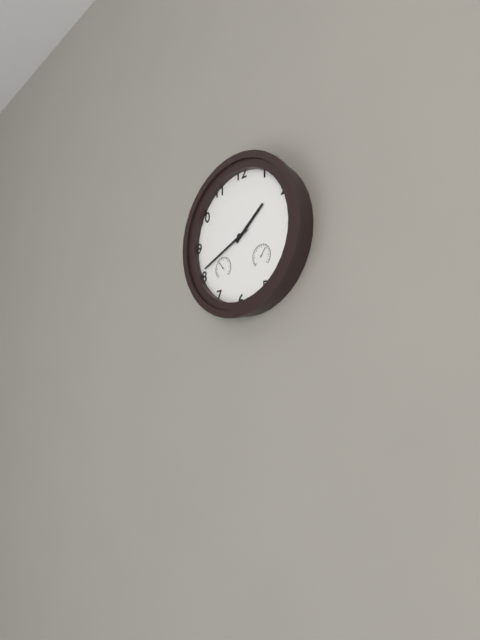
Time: 1h41
